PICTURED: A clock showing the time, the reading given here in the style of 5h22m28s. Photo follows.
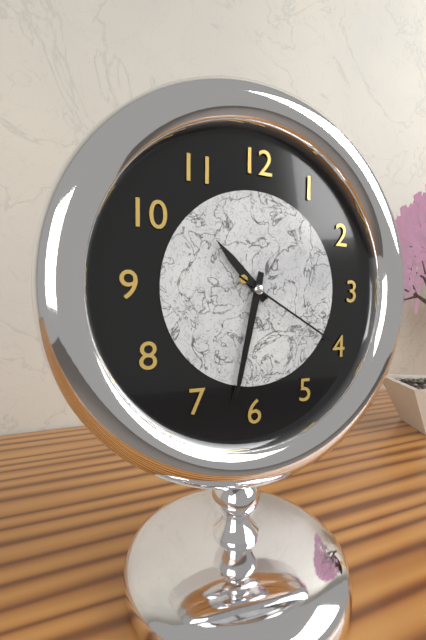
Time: 10h32m20s
